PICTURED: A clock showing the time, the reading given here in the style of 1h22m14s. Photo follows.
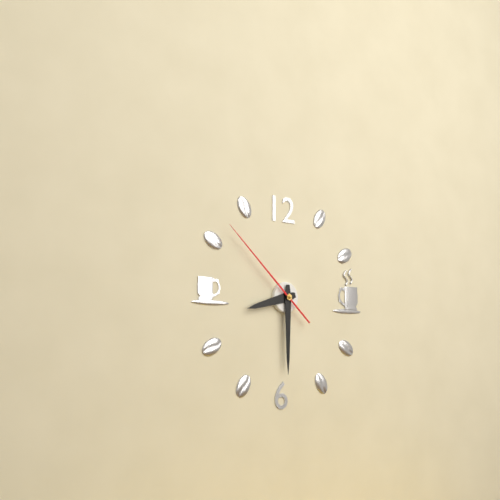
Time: 8h30m52s
